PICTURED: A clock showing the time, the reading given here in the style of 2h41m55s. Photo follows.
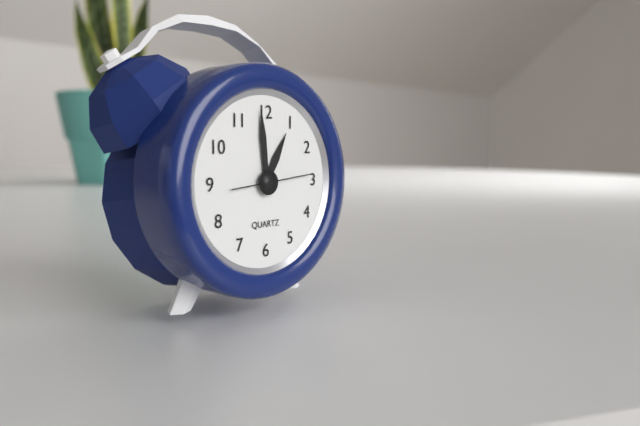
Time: 12h59m14s
